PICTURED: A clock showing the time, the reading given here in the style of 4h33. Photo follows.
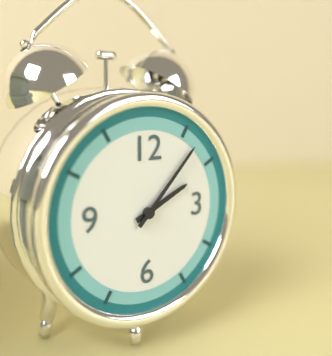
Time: 2h07
